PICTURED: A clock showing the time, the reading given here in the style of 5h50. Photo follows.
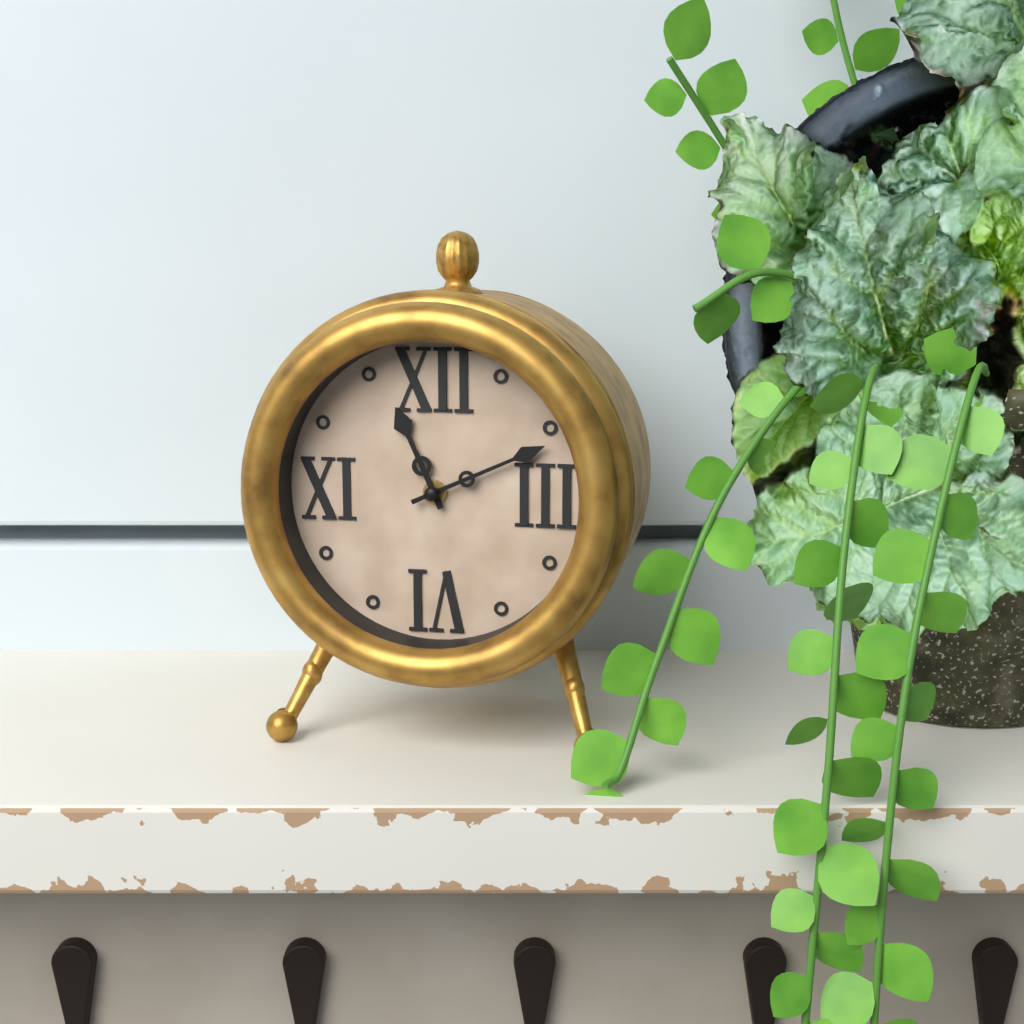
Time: 11h11
